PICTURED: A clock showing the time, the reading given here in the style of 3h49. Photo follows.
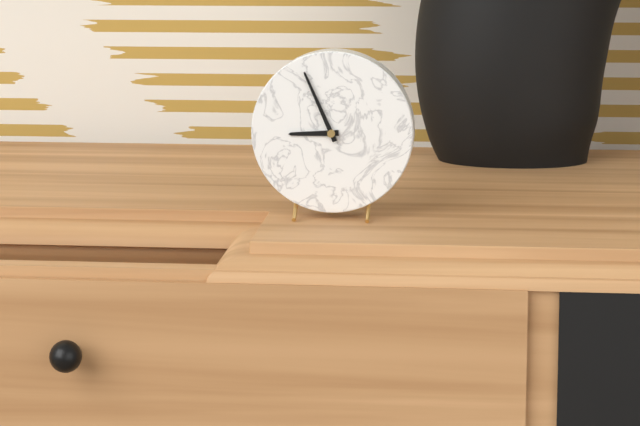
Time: 8h56
